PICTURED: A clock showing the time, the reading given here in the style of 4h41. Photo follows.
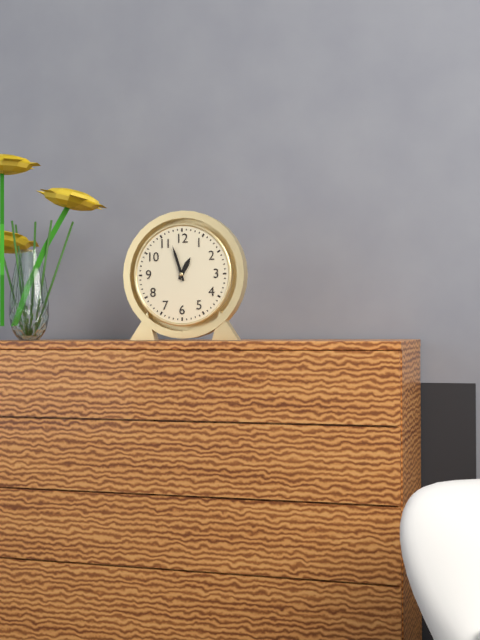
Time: 12h57
